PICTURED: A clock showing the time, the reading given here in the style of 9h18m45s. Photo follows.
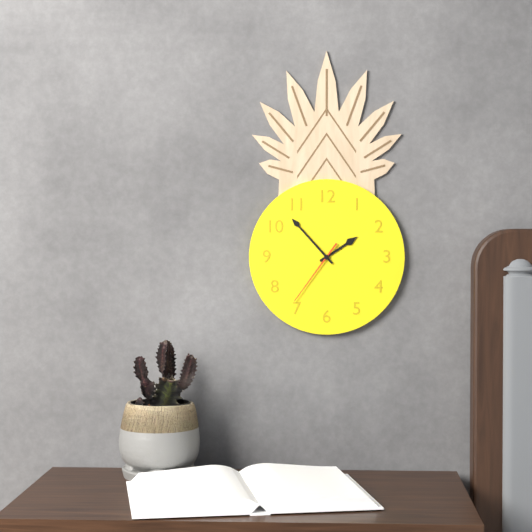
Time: 1h53m36s
